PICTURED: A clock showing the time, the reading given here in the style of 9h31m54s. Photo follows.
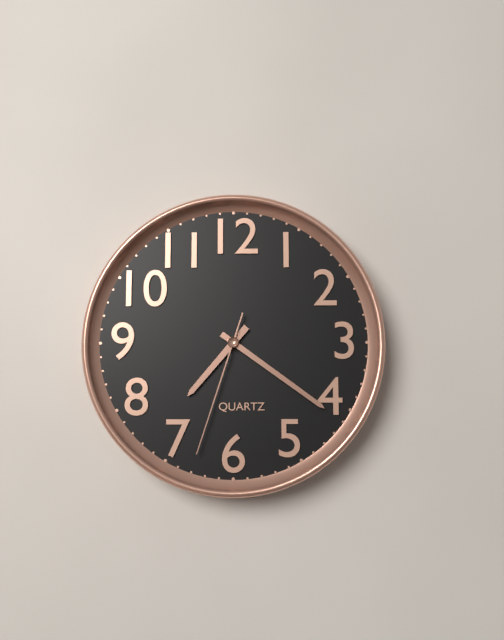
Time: 7h21m33s
